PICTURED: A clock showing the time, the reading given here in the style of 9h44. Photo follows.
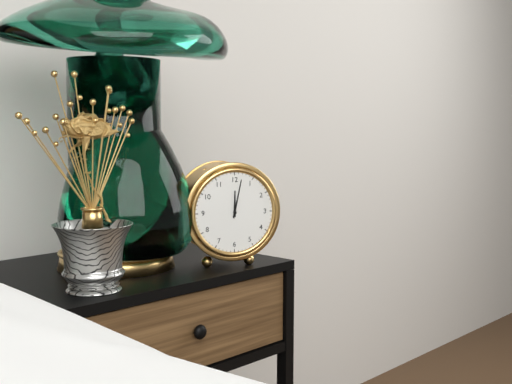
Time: 12h02
